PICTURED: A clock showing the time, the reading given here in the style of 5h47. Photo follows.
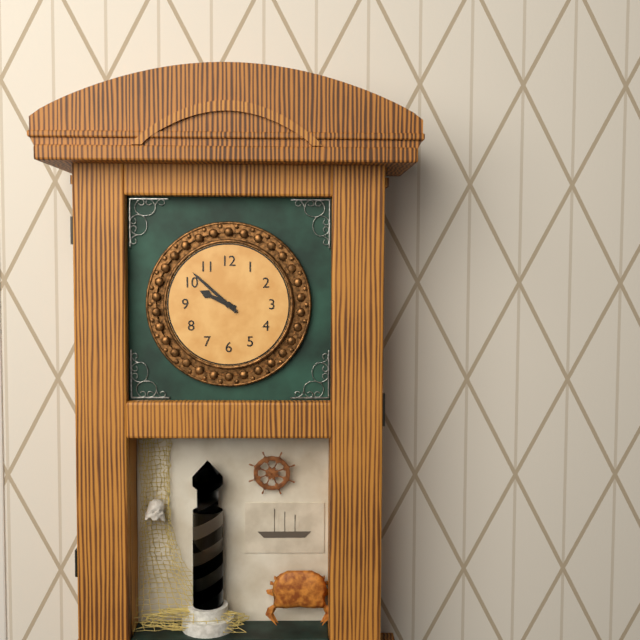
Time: 9h52
